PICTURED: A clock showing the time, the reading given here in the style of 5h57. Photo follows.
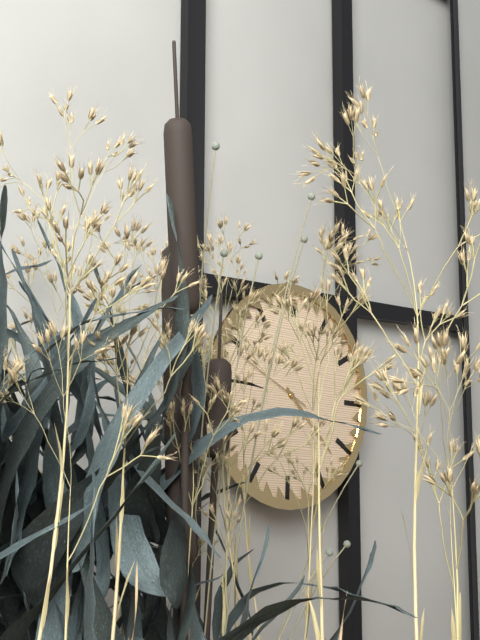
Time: 4h22
